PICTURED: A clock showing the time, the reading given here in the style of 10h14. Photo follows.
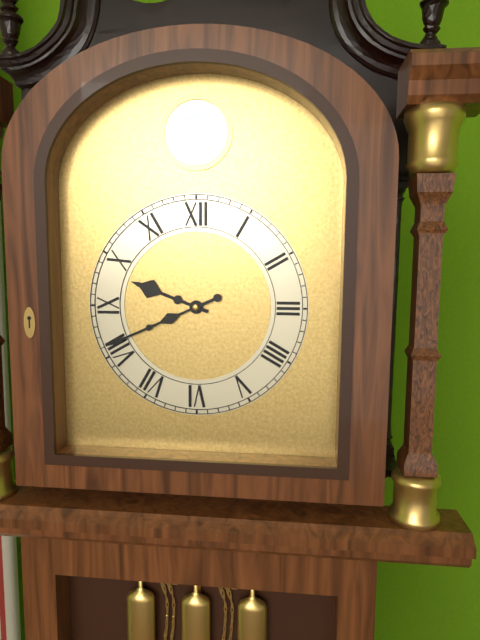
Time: 9h41
